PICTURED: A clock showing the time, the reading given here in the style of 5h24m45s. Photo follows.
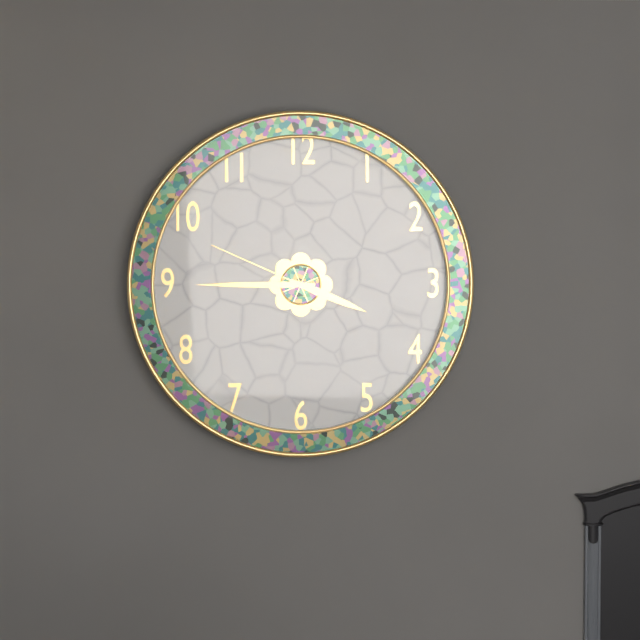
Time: 3h45m49s
